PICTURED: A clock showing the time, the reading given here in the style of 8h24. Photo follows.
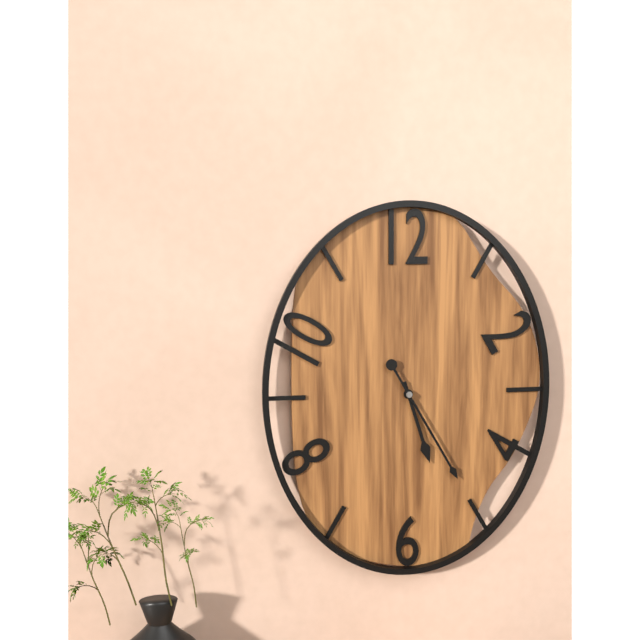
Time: 5h25
